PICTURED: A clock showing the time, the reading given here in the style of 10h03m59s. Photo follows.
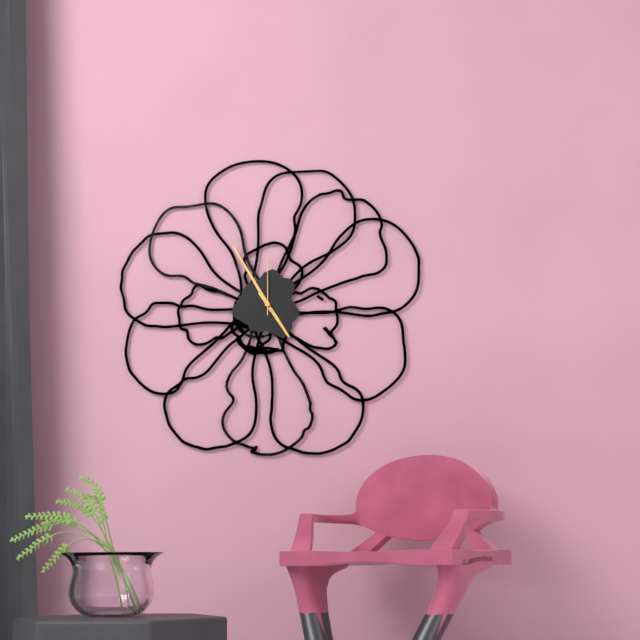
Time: 4h55m00s
